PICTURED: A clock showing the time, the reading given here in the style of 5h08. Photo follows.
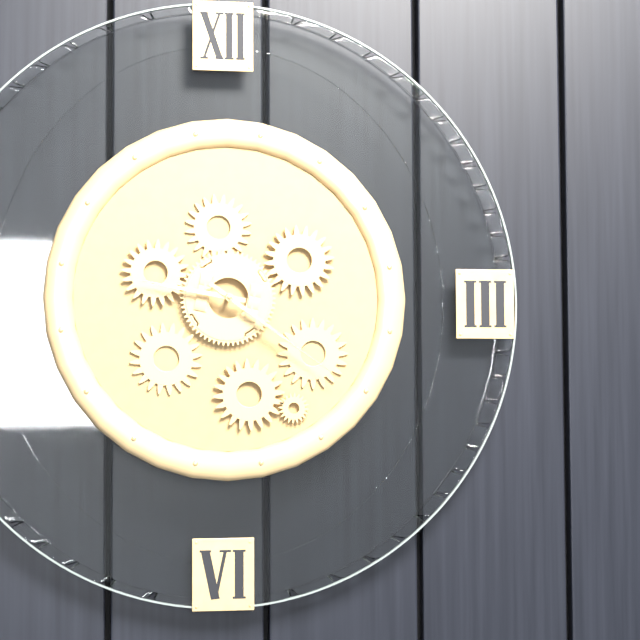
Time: 9h21
